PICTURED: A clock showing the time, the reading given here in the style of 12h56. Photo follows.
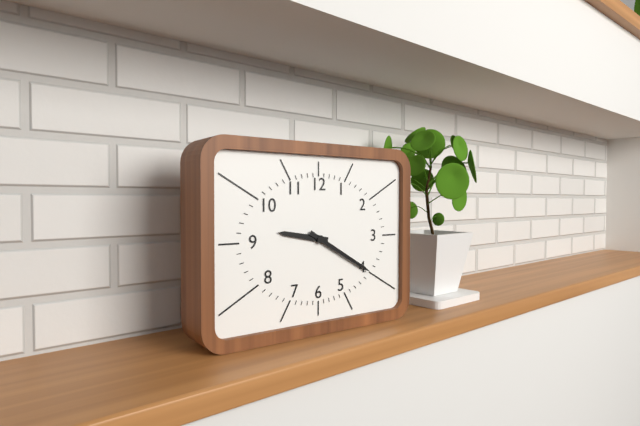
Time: 9h20
